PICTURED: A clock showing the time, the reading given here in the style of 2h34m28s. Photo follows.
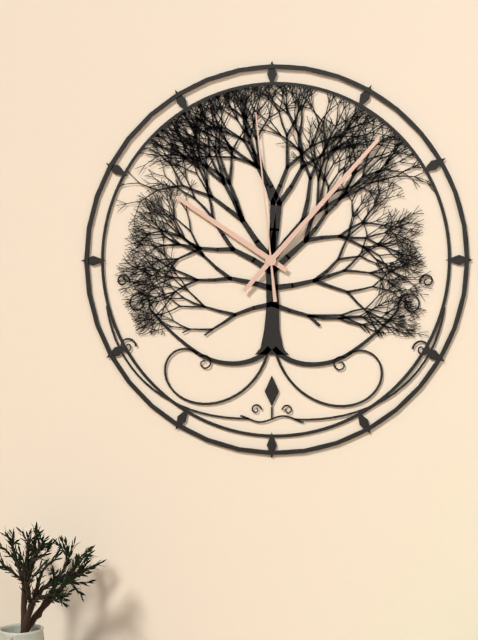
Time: 10h07m59s
